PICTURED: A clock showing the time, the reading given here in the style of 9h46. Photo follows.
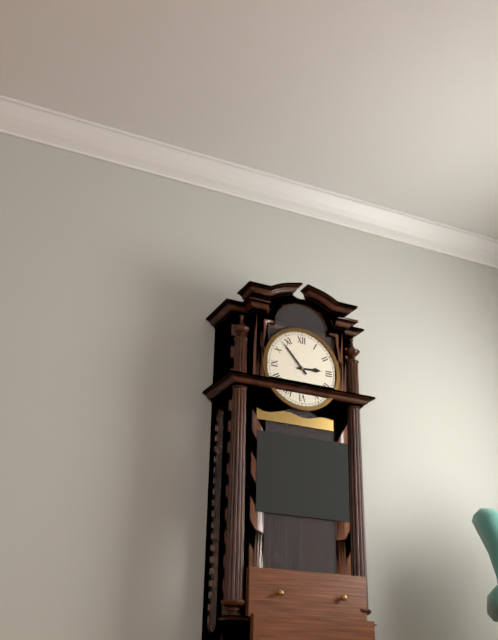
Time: 2h53
